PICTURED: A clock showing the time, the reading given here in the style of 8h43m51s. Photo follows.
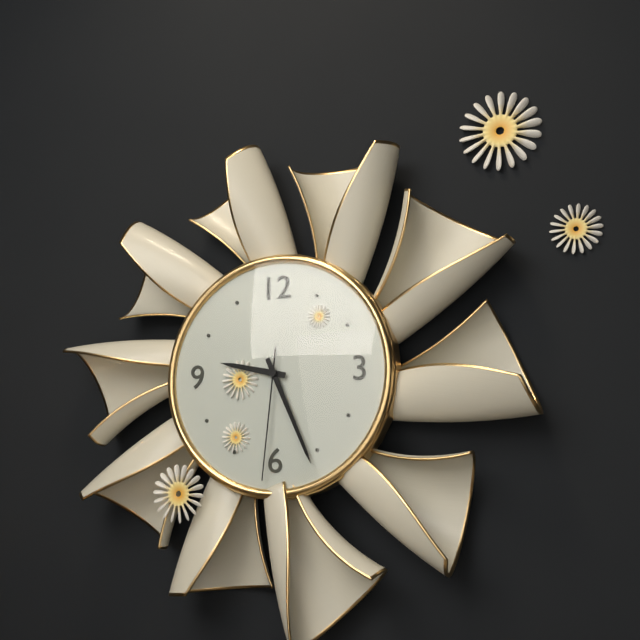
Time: 9h26m31s
